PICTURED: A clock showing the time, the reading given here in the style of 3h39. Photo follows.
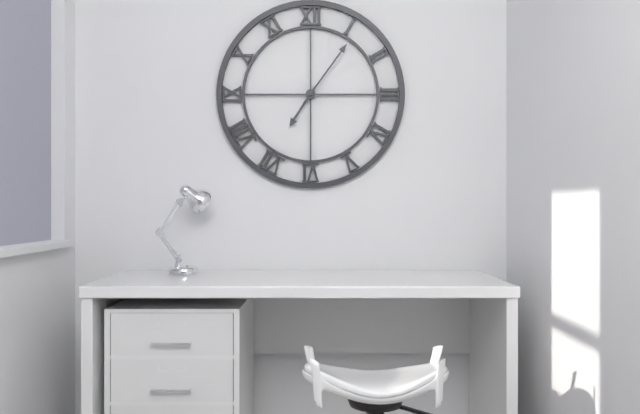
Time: 7h06
